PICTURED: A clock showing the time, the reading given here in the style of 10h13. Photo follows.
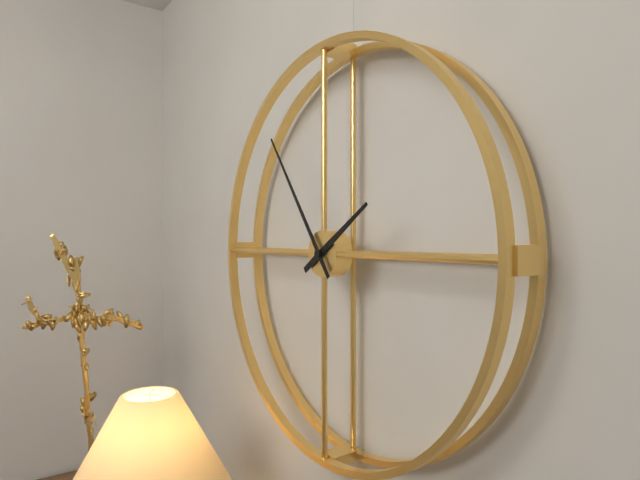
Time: 1h54
